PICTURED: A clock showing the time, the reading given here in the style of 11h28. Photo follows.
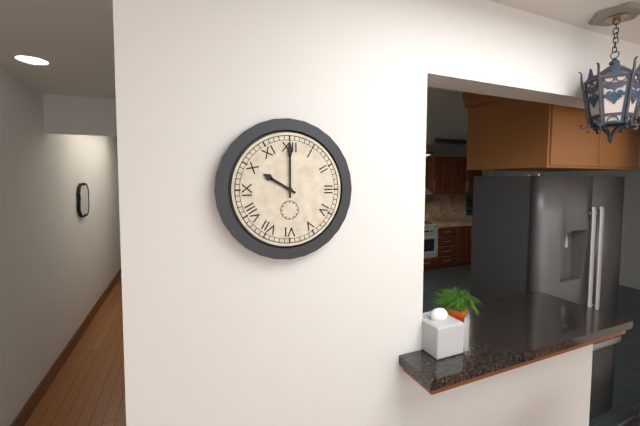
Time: 10h00
